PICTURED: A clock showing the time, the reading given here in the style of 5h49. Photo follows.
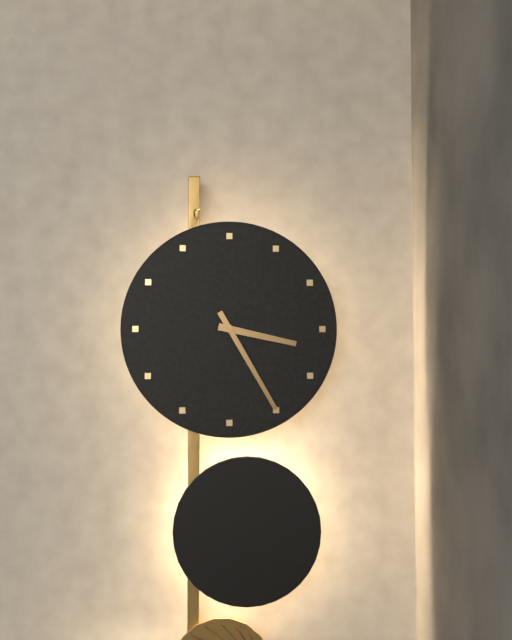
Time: 3h25
